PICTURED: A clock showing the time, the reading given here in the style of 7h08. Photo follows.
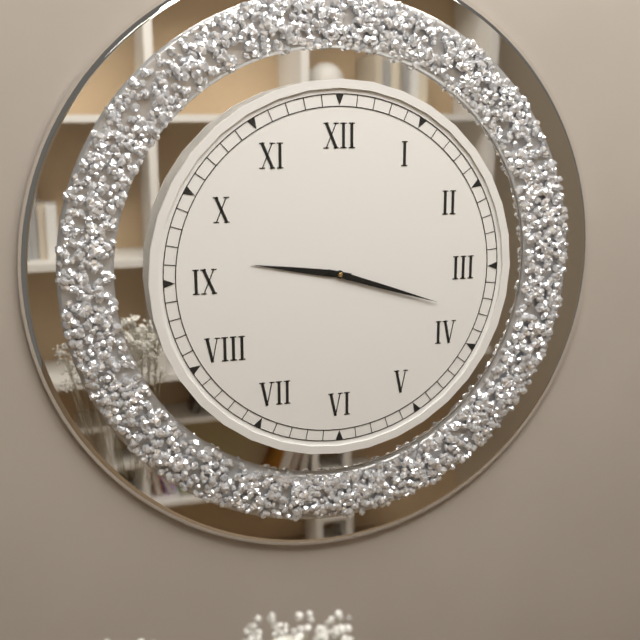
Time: 9h18
